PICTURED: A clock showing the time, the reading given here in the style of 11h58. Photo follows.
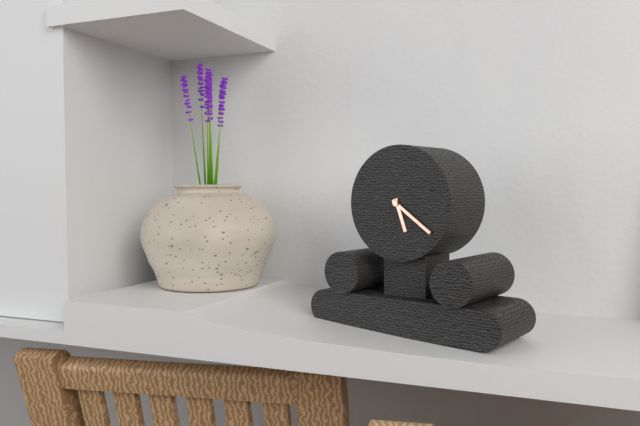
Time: 5h21
